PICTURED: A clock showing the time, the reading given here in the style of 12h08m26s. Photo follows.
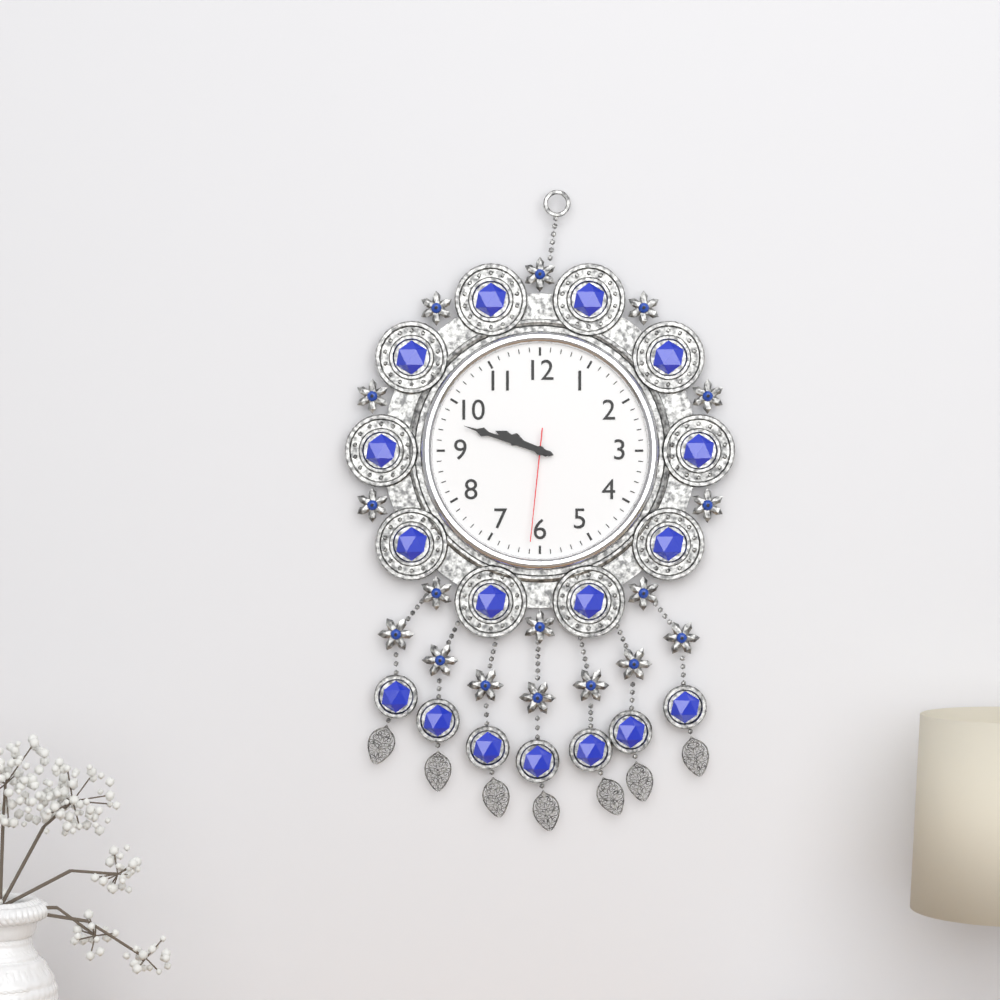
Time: 9h48m31s
